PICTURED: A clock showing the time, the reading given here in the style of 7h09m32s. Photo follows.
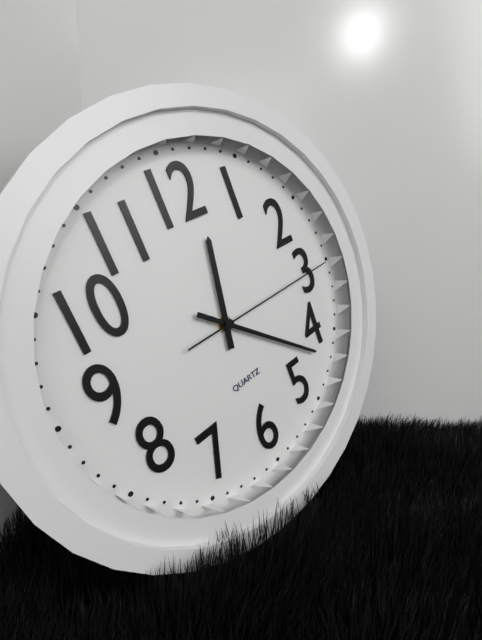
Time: 12h22m15s
